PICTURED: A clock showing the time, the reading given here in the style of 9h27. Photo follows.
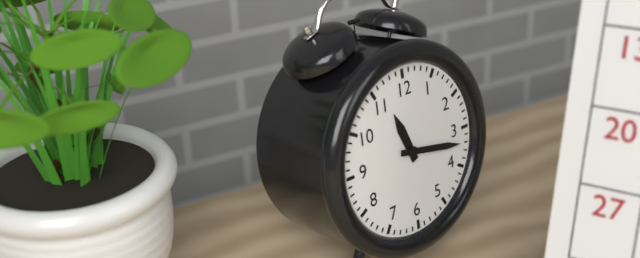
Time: 11h17
